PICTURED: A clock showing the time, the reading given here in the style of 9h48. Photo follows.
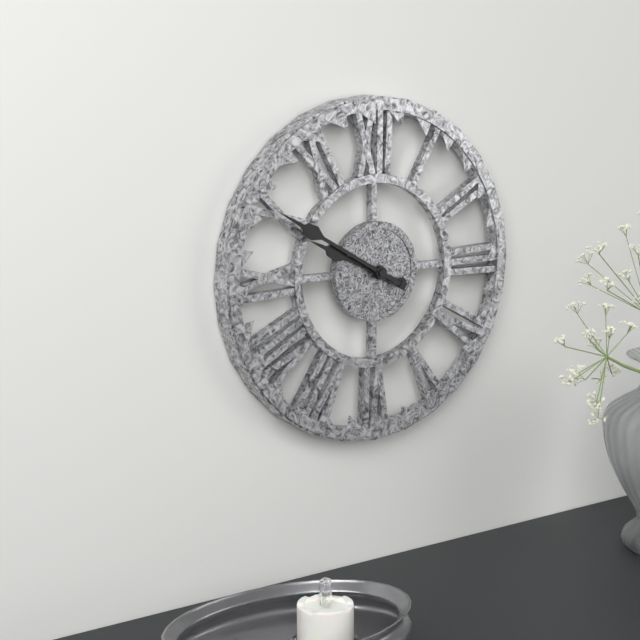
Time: 9h50
